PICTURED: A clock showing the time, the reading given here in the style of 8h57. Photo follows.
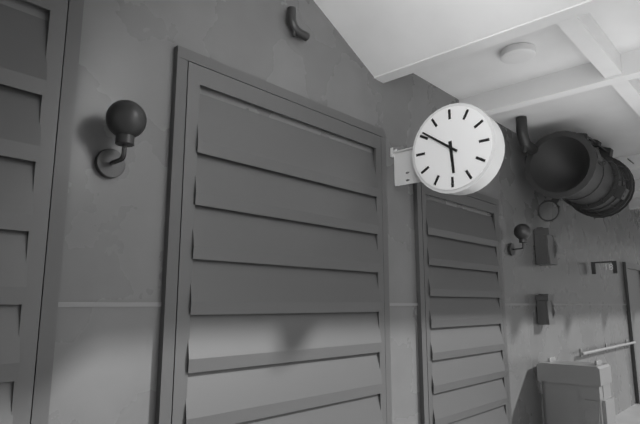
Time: 5h51
